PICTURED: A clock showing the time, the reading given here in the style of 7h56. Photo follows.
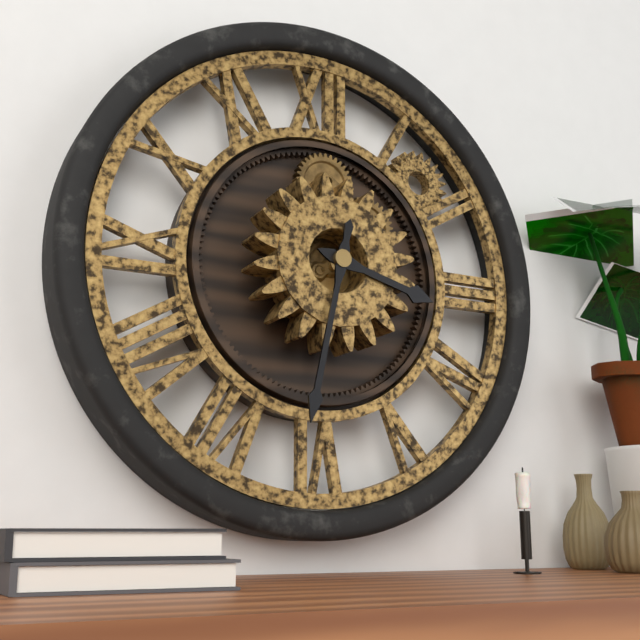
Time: 3h32
